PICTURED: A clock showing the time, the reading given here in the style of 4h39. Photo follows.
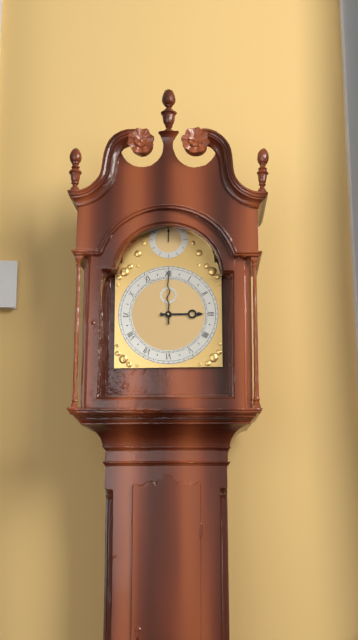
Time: 3h00
